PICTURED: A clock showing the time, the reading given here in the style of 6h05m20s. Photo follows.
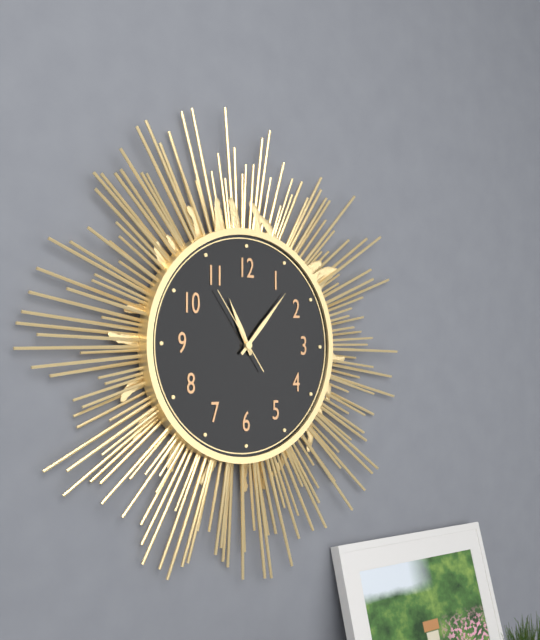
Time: 11h07m54s
